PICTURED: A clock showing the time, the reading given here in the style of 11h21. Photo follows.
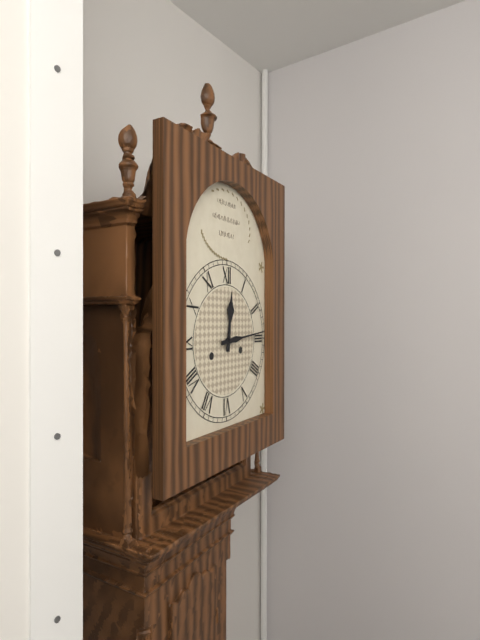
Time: 12h14
